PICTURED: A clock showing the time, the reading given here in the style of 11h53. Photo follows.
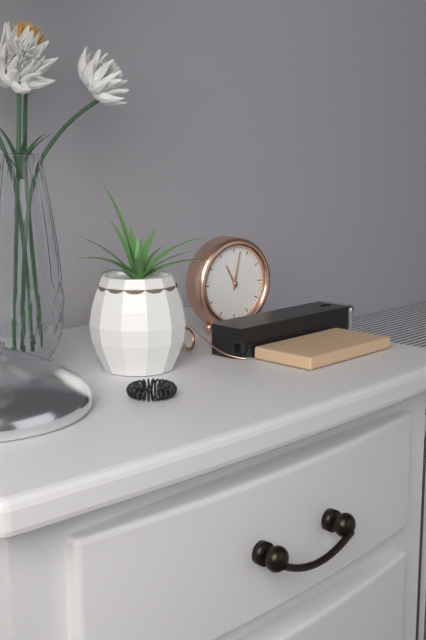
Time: 11h02
